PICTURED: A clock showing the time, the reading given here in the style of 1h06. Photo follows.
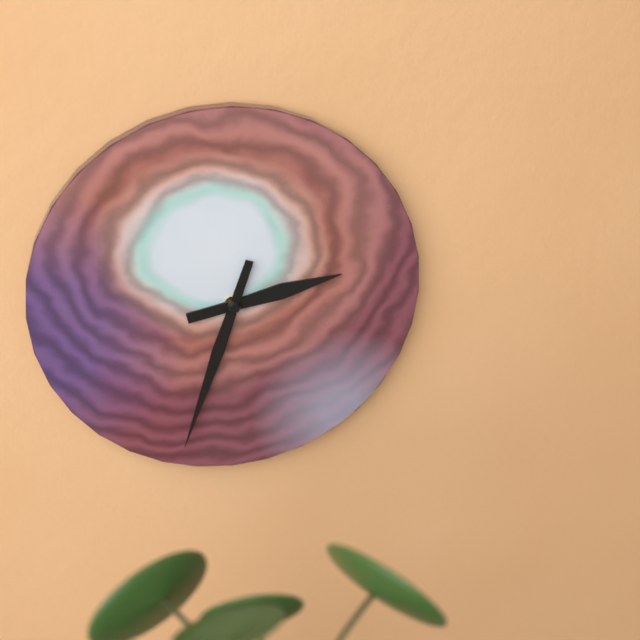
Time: 2h33
